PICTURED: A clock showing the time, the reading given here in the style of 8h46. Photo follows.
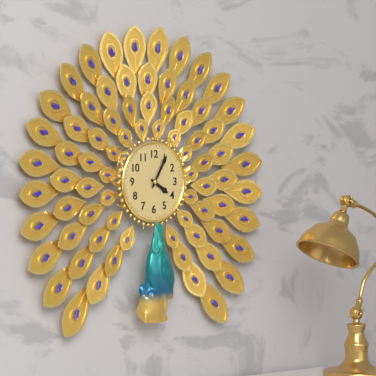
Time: 4h05
